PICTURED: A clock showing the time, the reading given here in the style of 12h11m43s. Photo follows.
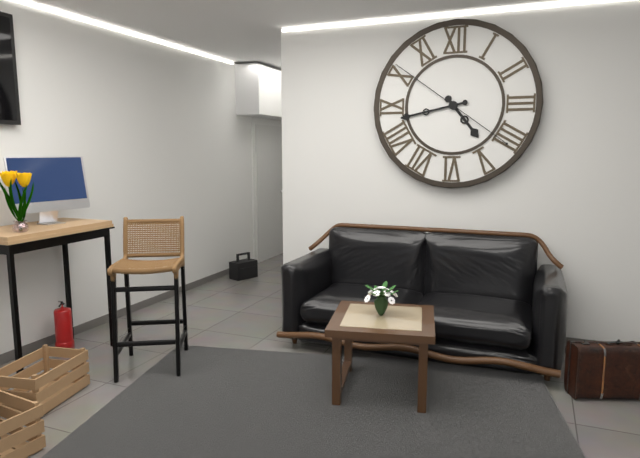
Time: 4h43m51s
